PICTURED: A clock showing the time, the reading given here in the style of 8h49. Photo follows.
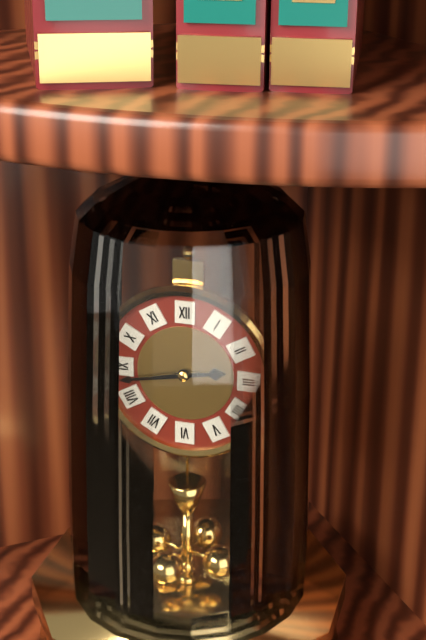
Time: 2h43
